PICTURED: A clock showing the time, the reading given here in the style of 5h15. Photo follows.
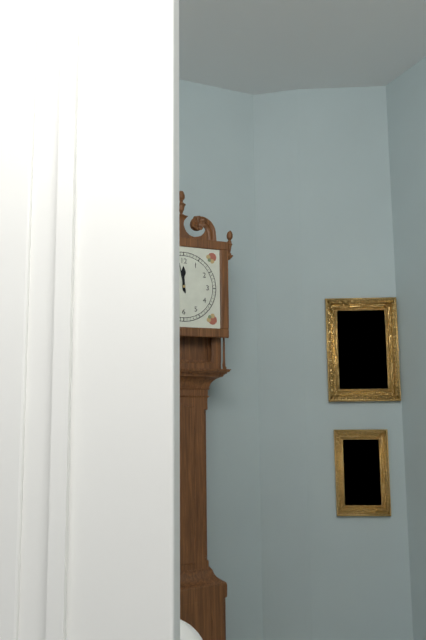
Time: 11h58
